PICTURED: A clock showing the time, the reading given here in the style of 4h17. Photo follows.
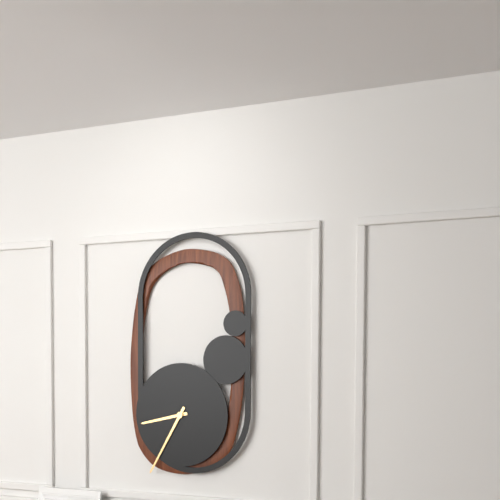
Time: 8h35
